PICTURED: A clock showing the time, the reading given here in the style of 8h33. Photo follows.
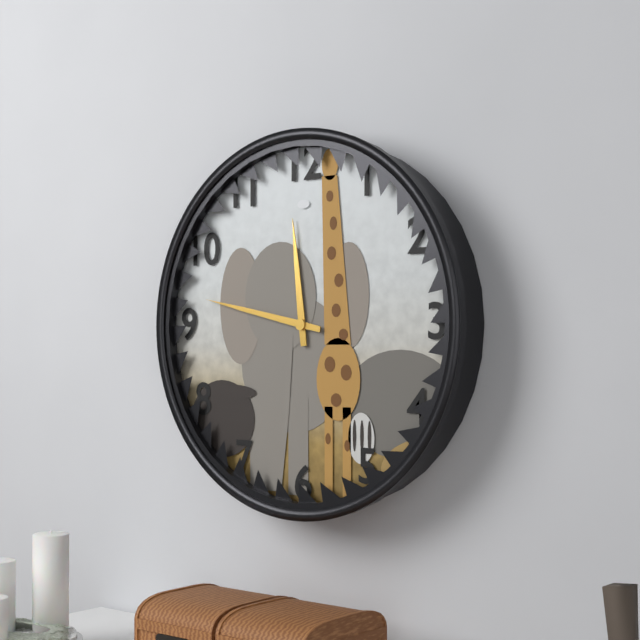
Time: 11h47
